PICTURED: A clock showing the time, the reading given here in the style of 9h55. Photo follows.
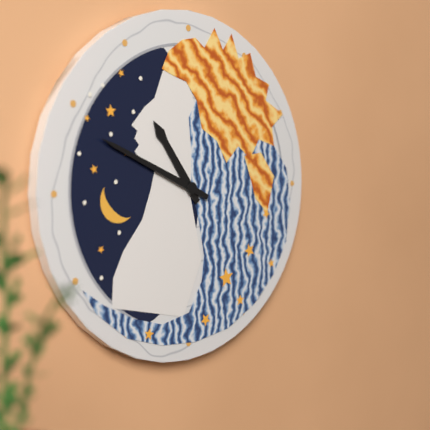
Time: 10h49
